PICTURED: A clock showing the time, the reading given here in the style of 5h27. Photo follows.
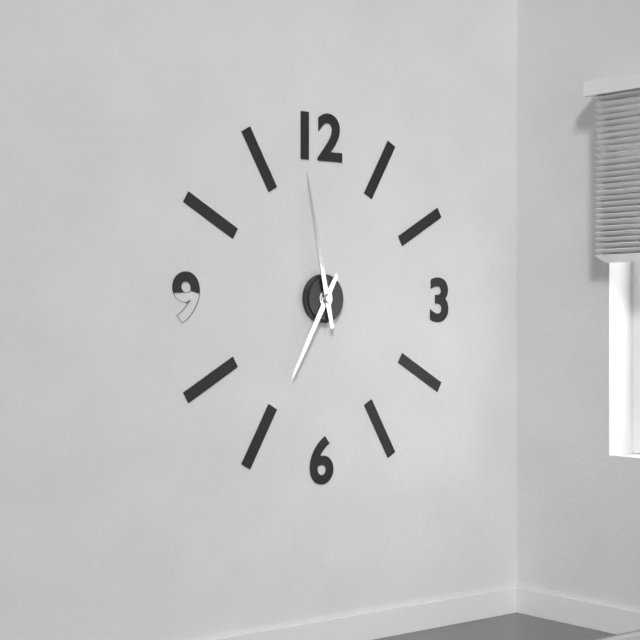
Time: 6h58
